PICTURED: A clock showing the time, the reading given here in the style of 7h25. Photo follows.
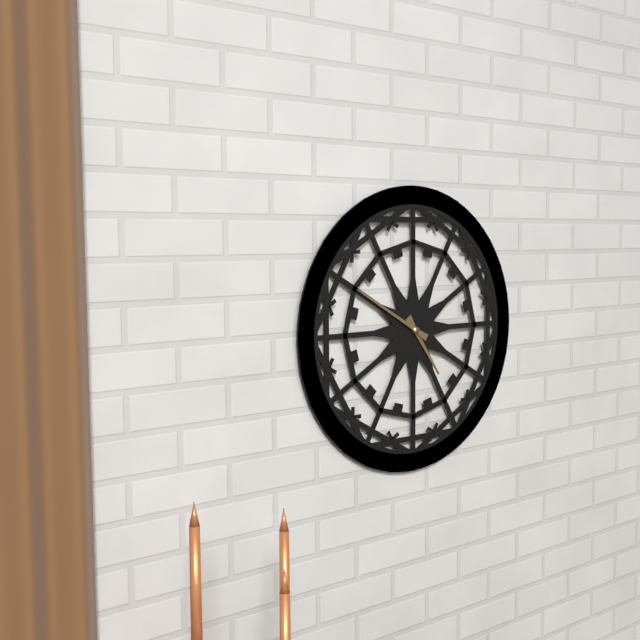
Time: 4h50
